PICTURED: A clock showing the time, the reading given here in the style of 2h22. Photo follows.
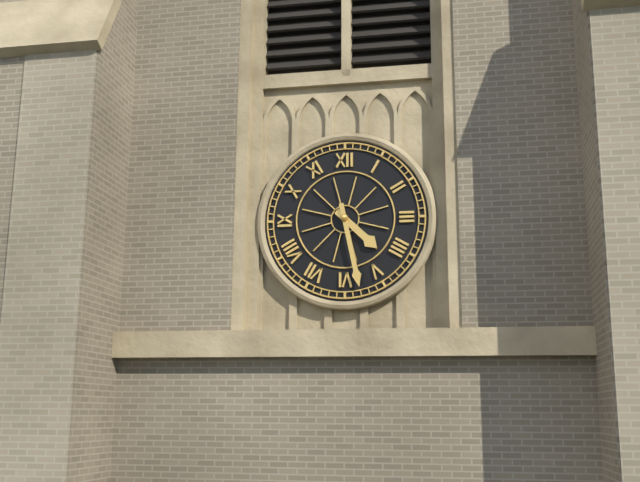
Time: 4h28
